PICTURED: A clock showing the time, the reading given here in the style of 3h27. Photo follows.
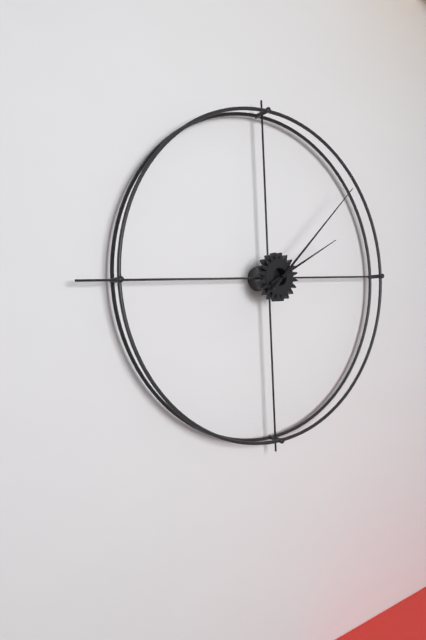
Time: 2h08
